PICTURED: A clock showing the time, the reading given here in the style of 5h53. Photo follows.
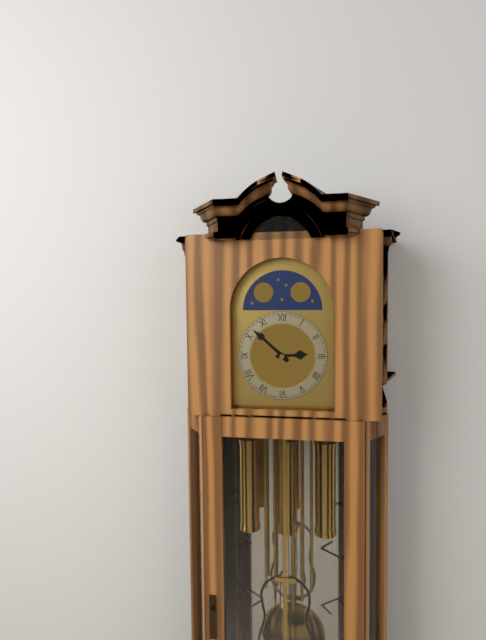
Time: 2h52
